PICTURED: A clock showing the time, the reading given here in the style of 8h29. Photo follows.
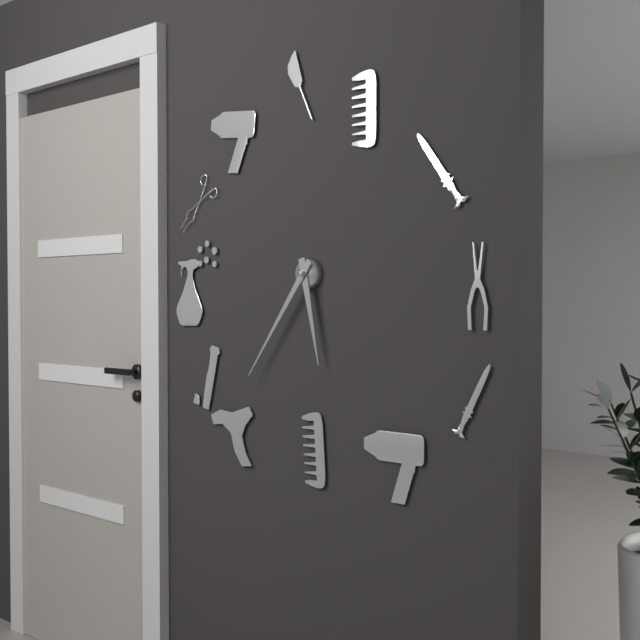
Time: 5h36
